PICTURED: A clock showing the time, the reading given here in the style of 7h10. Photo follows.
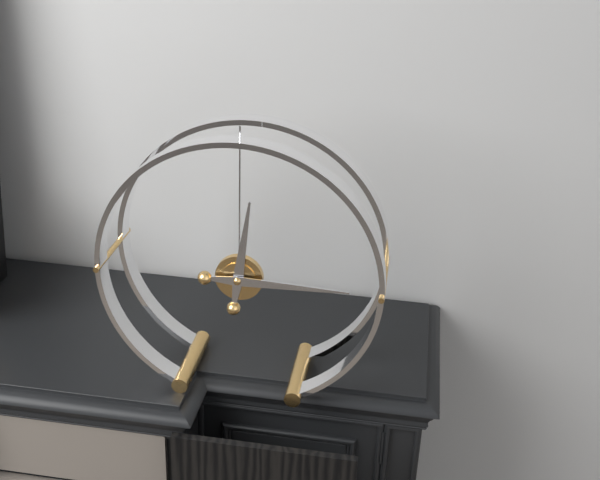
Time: 12h15
